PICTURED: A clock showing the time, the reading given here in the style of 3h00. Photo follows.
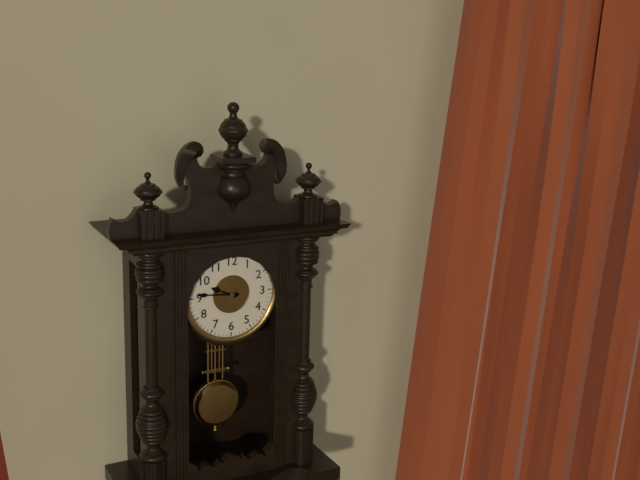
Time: 9h46
